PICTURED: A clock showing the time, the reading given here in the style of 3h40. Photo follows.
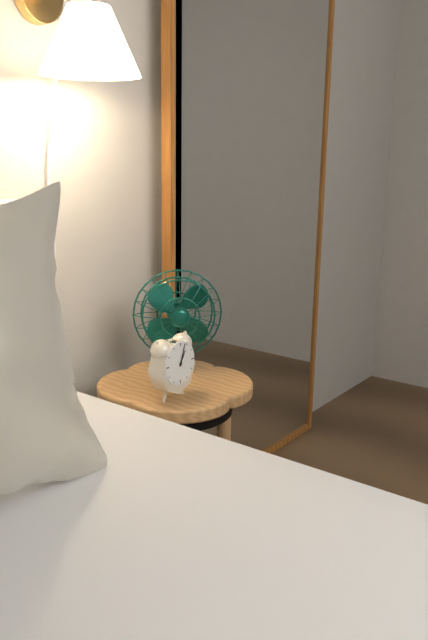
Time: 1h03
